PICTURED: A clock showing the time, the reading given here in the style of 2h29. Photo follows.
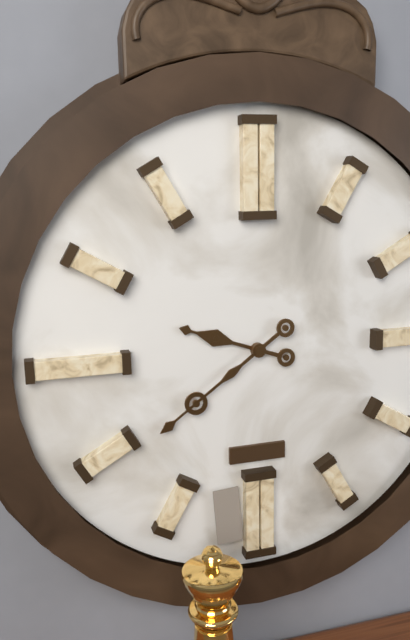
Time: 9h39
